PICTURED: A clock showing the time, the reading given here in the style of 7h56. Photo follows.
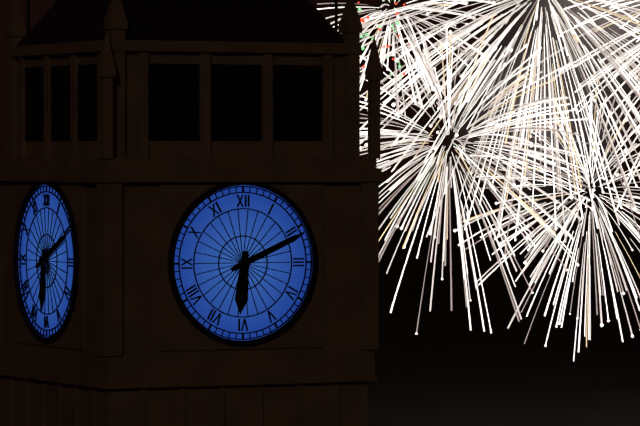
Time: 6h11
